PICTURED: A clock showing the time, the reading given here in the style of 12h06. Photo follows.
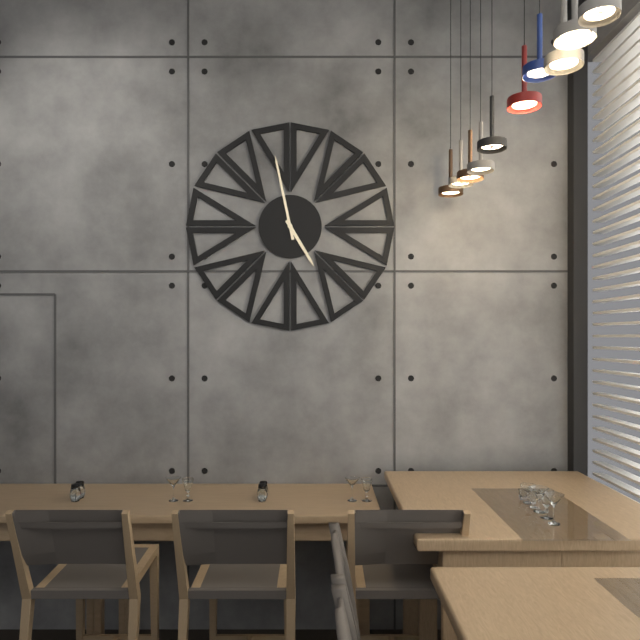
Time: 4h58
